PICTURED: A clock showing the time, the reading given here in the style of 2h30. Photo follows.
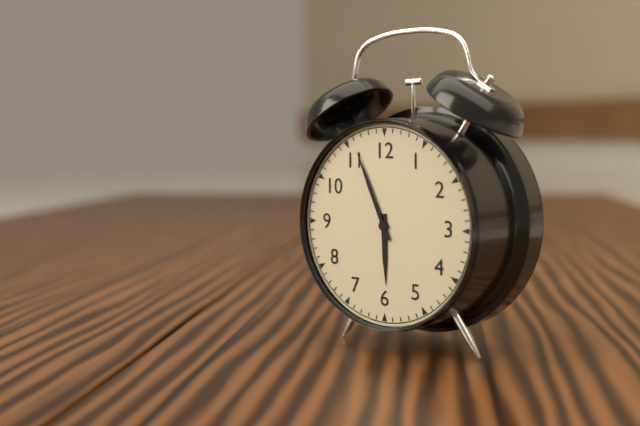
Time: 5h56
